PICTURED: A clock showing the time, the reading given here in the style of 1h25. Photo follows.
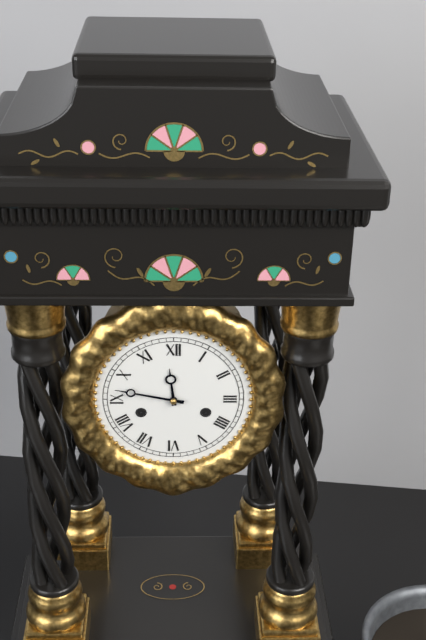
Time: 11h47
